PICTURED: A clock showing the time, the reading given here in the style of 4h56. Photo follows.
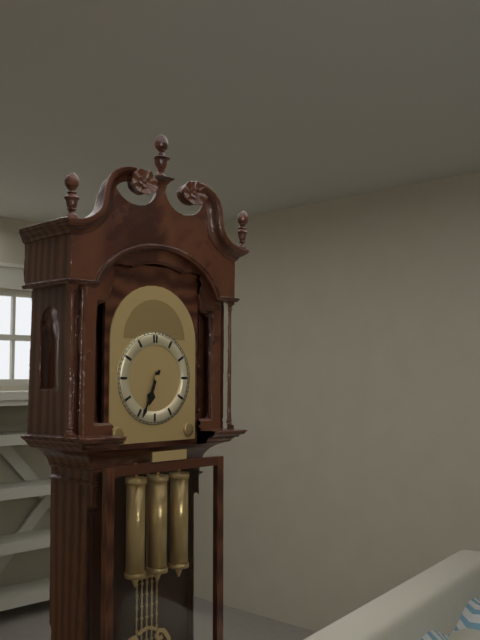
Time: 6h34
